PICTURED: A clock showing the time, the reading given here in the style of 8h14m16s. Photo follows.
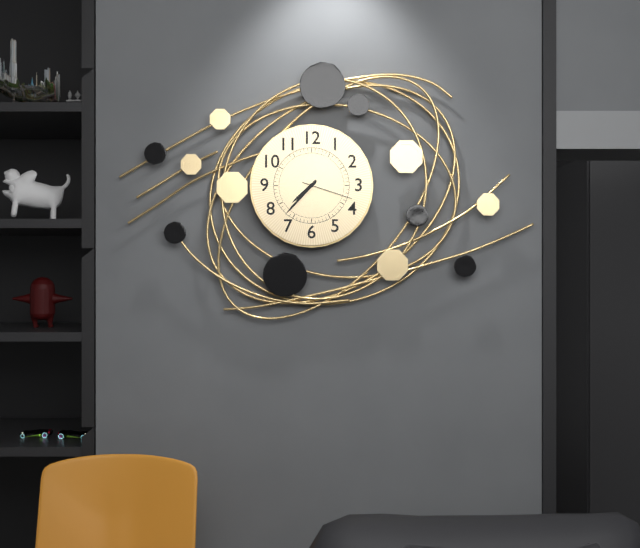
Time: 7h37m18s
